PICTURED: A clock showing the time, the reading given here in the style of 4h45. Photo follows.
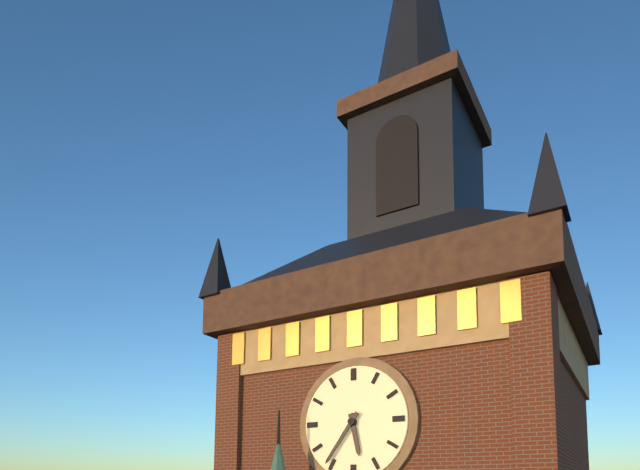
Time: 5h36
